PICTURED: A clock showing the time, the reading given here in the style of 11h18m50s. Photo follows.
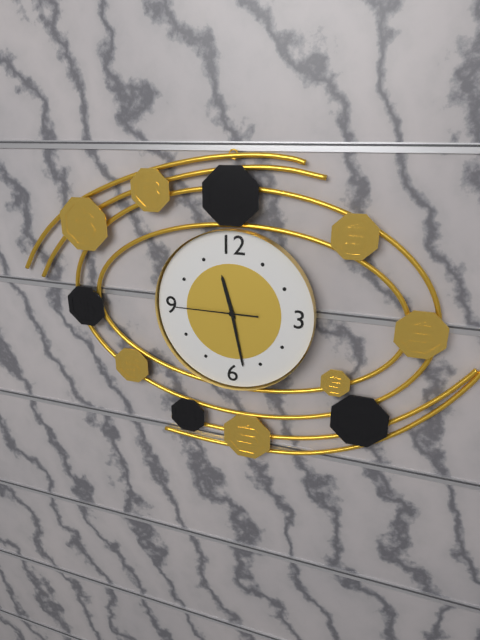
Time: 11h28m45s
